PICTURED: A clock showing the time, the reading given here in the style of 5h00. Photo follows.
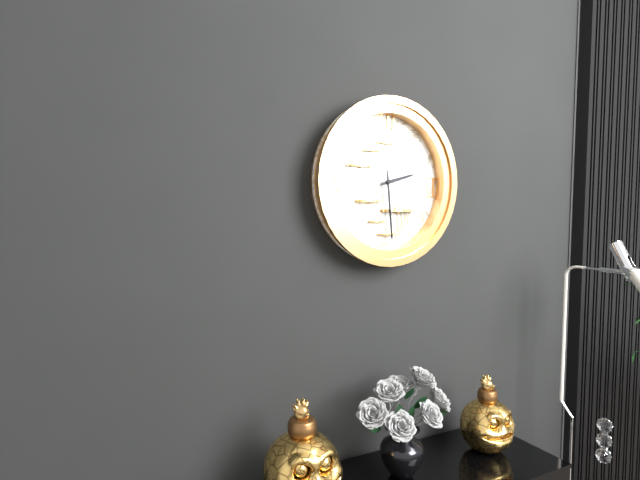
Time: 2h29
